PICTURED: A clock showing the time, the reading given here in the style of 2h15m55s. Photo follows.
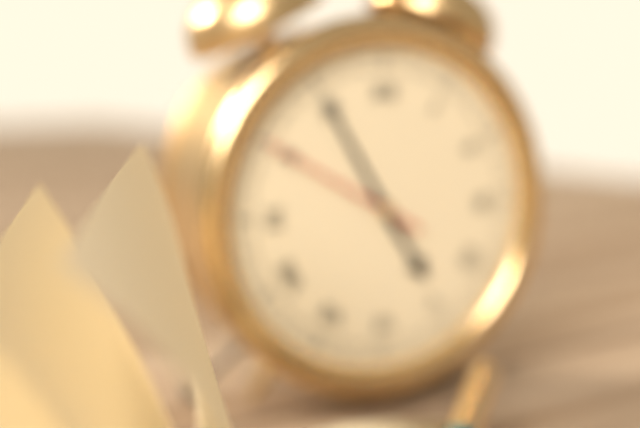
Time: 4h55m50s
